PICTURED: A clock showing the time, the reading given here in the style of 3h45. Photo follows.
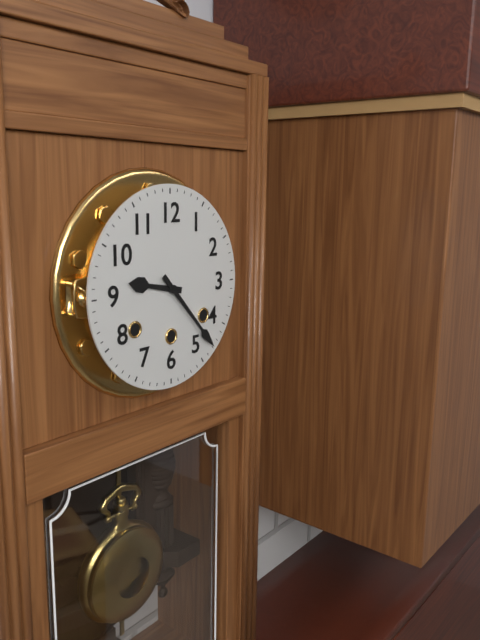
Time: 9h23
